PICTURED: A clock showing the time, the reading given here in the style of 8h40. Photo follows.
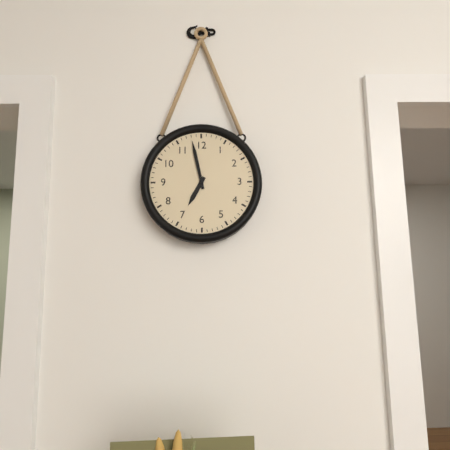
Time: 6h58
